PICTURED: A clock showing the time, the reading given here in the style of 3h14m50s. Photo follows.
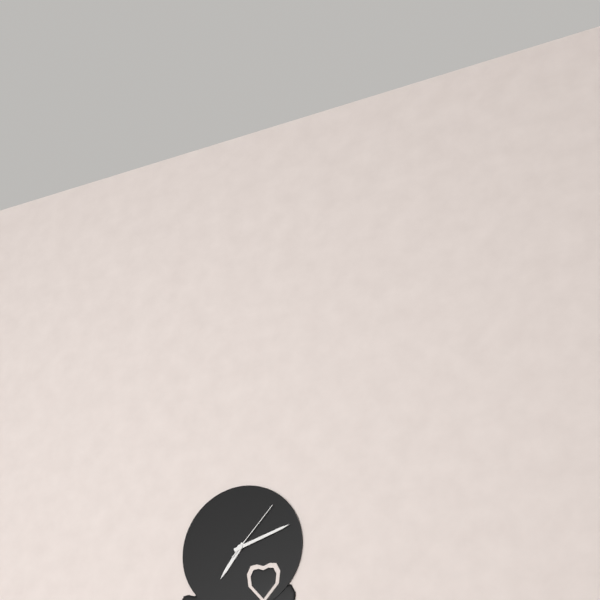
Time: 7h12m07s
